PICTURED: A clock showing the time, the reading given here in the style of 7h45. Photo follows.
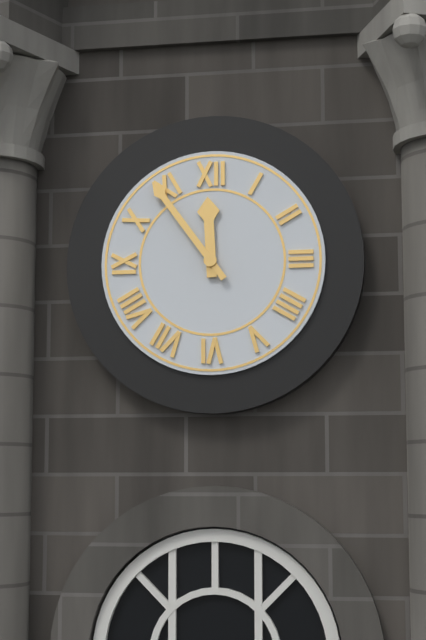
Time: 11h54
